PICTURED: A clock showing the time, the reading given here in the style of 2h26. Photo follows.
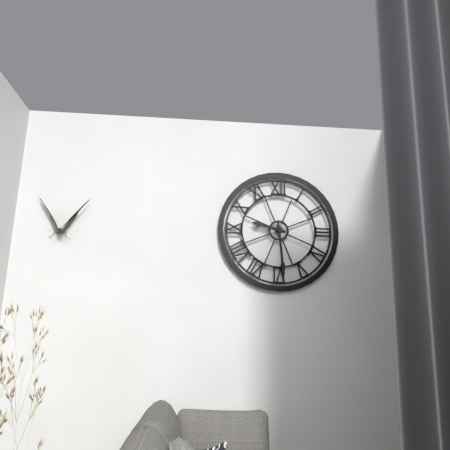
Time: 9h29
